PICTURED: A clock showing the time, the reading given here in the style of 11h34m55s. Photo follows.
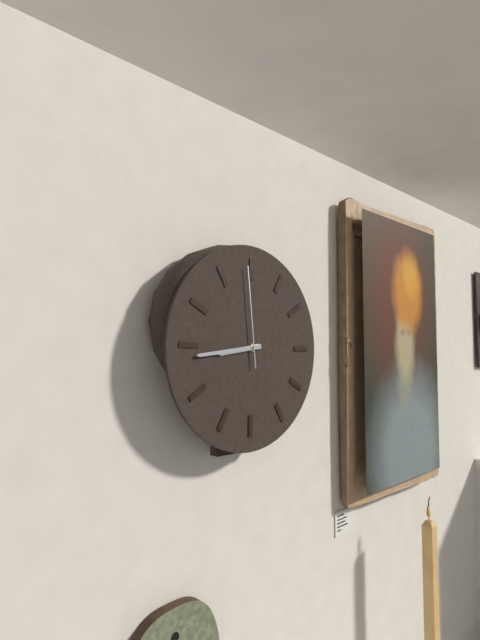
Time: 8h44m59s
